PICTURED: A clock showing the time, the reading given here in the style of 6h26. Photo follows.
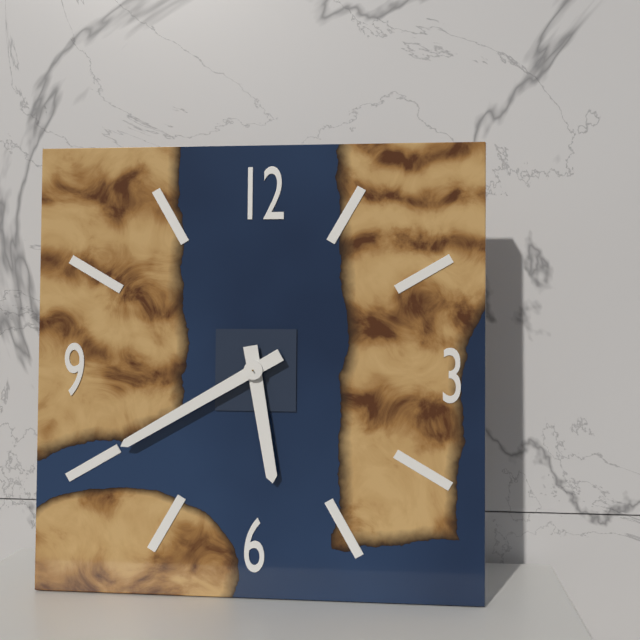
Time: 5h40
